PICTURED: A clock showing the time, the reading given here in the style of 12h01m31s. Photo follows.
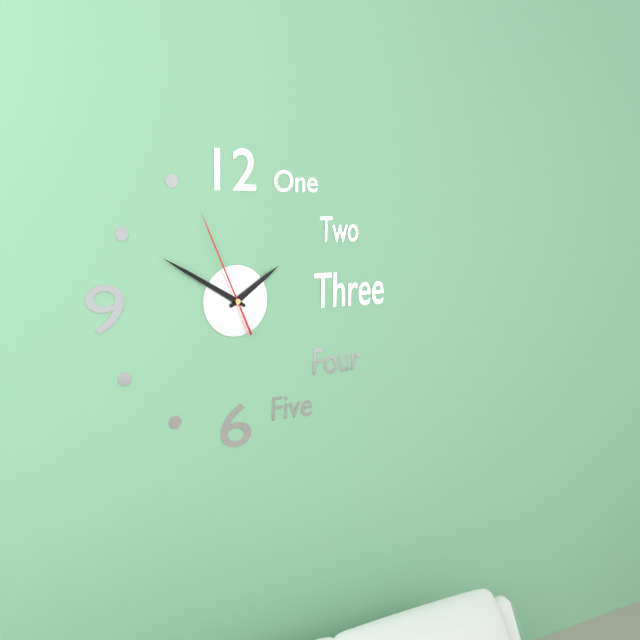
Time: 1h50m56s
